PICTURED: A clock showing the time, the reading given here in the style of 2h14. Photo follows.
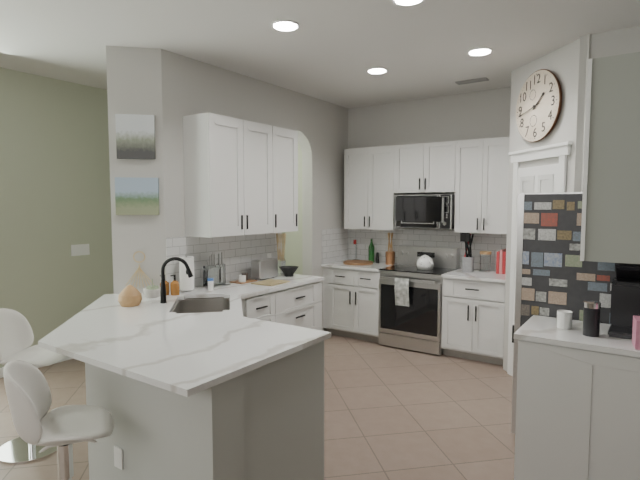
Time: 1h43
